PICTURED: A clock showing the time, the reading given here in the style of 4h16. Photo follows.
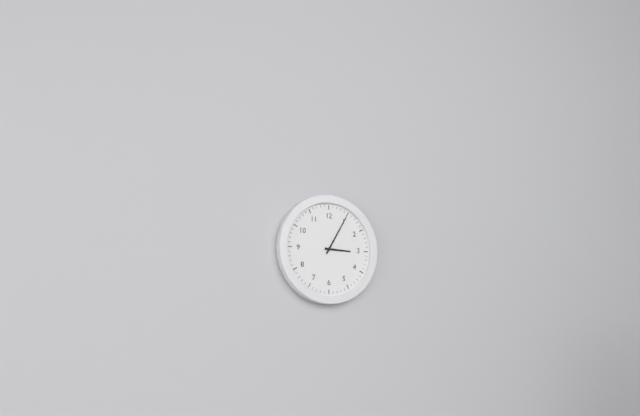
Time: 3h05
